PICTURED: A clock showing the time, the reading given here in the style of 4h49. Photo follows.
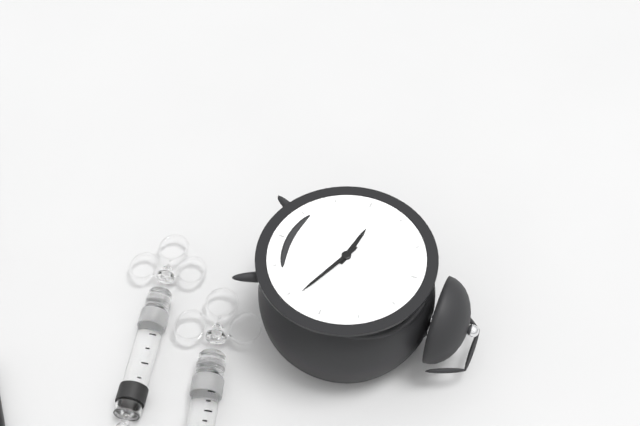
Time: 9h19
